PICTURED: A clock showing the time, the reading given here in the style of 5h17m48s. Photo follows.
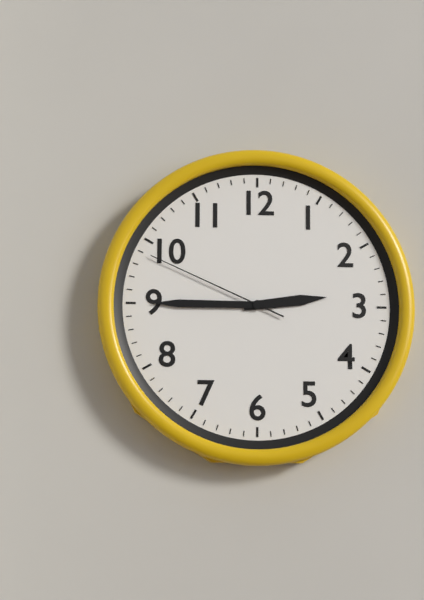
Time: 2h45m49s
